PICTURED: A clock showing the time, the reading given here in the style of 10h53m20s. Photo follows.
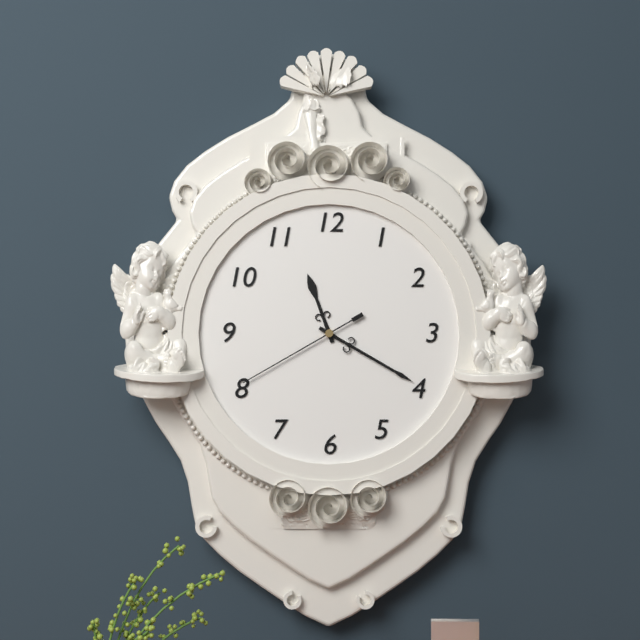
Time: 11h20m40s
